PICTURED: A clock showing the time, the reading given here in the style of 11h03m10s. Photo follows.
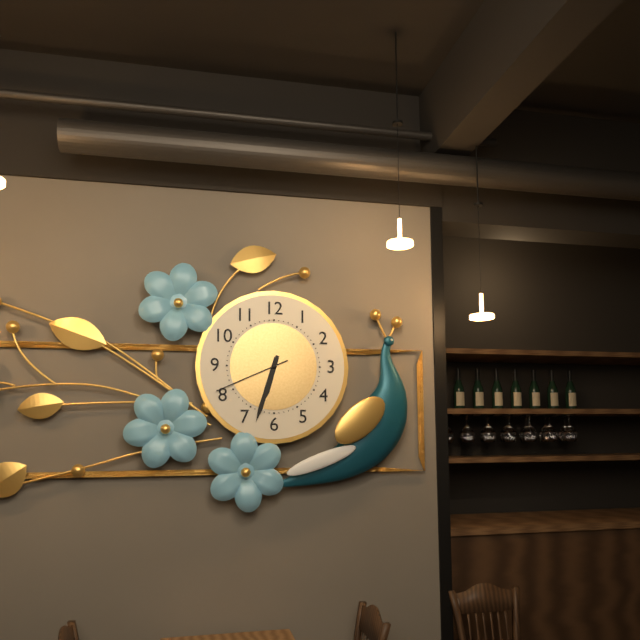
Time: 6h33m41s
